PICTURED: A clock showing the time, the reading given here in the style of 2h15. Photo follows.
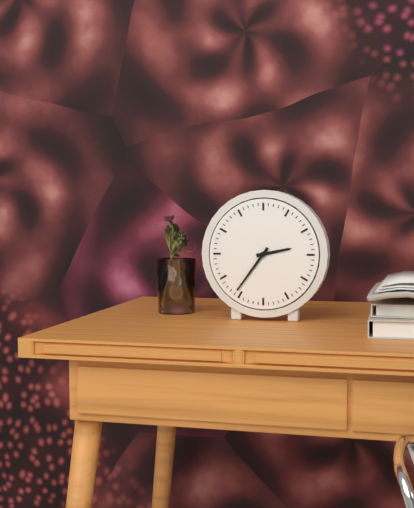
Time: 2h36
